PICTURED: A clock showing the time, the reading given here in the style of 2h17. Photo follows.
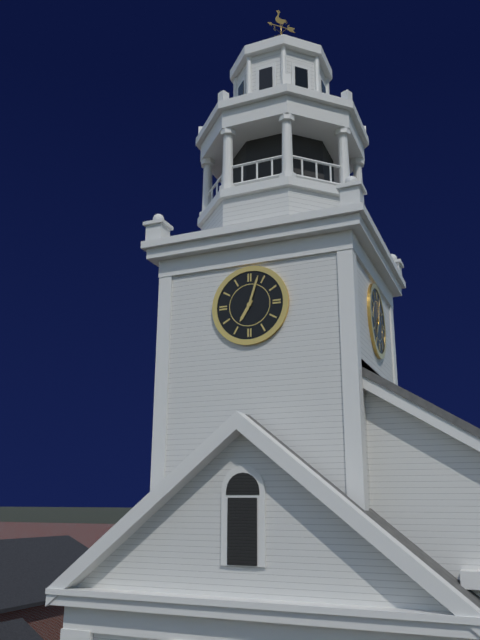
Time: 7h03
